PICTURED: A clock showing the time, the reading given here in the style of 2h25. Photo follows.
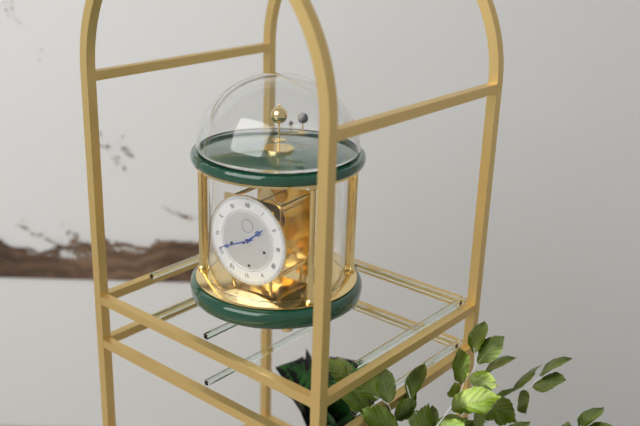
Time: 1h41
